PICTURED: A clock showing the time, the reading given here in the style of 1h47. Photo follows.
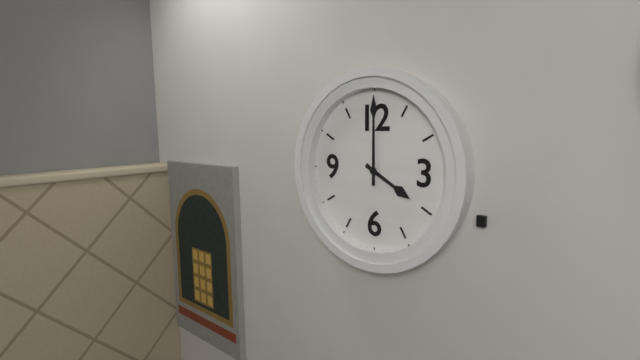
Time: 4h00
